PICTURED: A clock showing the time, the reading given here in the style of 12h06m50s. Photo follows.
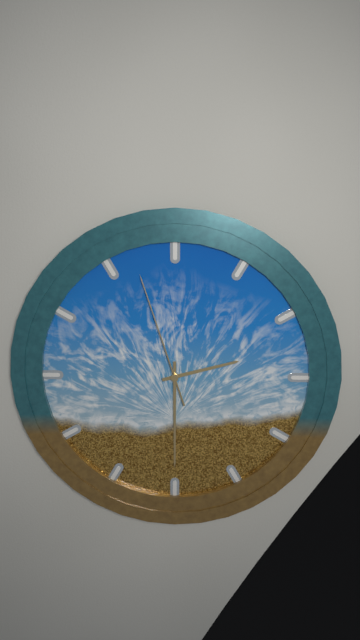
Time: 2h30m57s
